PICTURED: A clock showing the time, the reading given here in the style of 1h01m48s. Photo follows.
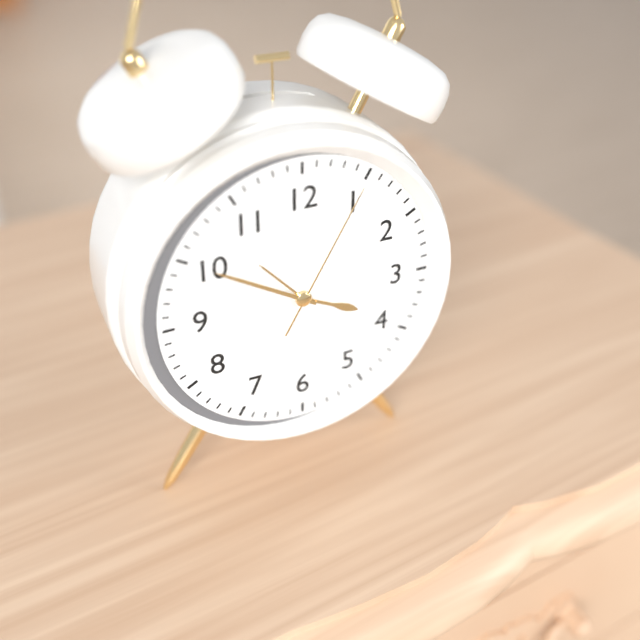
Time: 3h50m05s
